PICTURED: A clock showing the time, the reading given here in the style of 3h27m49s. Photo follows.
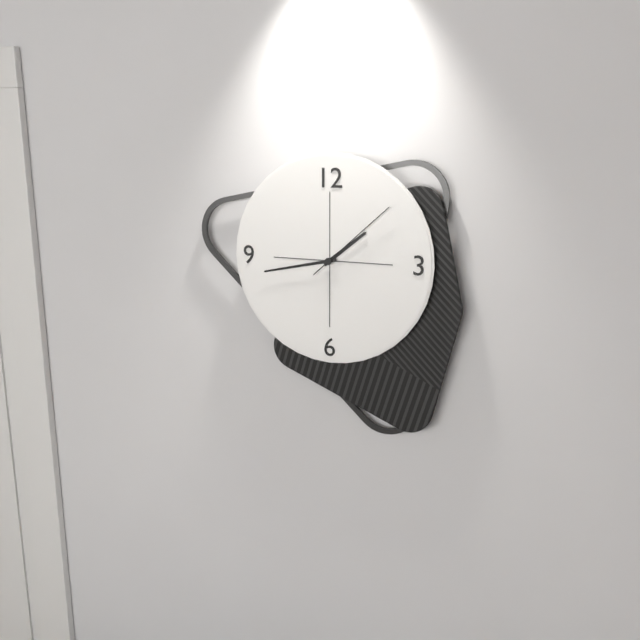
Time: 1h43m08s
